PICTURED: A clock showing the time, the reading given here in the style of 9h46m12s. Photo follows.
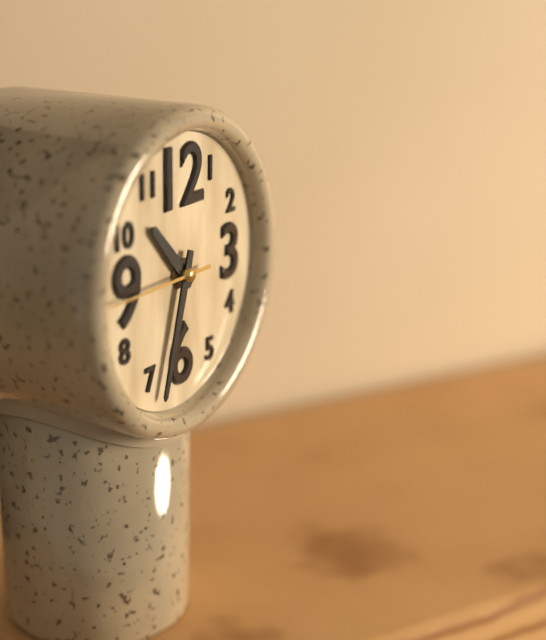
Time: 10h33m45s
